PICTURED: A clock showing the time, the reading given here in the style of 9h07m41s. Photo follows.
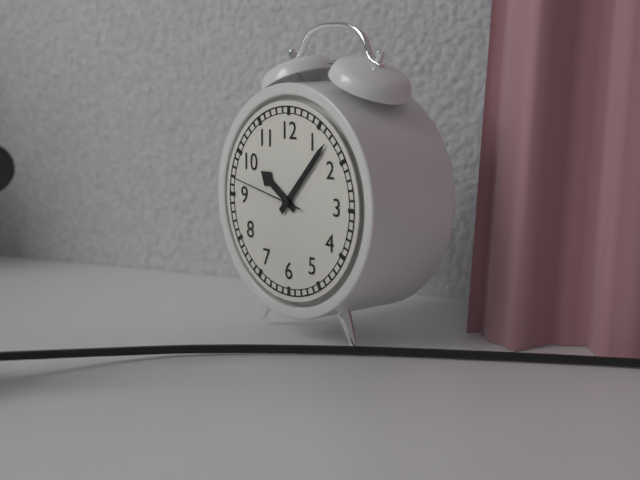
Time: 10h07m47s
